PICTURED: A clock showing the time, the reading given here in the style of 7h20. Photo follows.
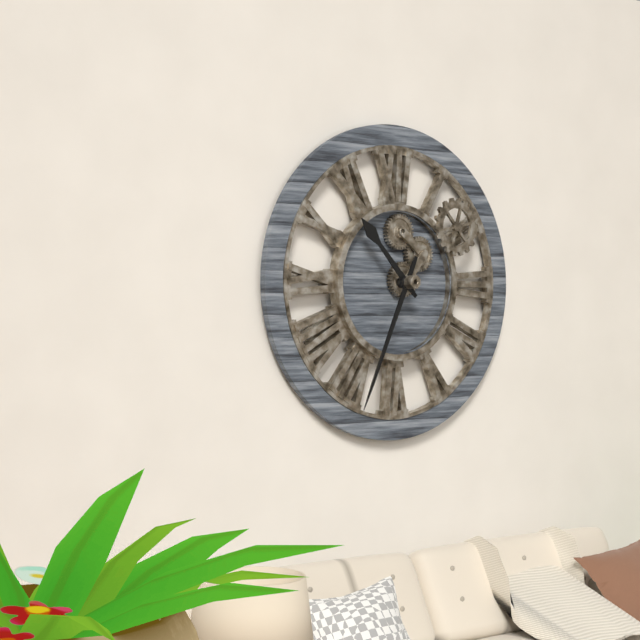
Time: 10h34
